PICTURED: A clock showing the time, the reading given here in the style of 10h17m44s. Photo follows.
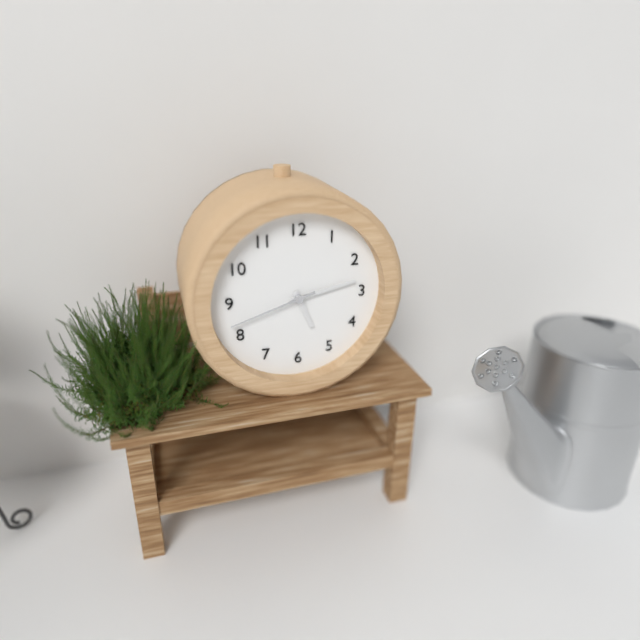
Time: 5h13m42s
